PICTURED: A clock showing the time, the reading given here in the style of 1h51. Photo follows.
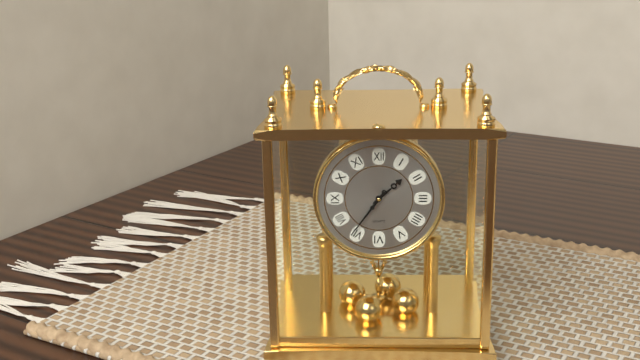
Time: 1h36
